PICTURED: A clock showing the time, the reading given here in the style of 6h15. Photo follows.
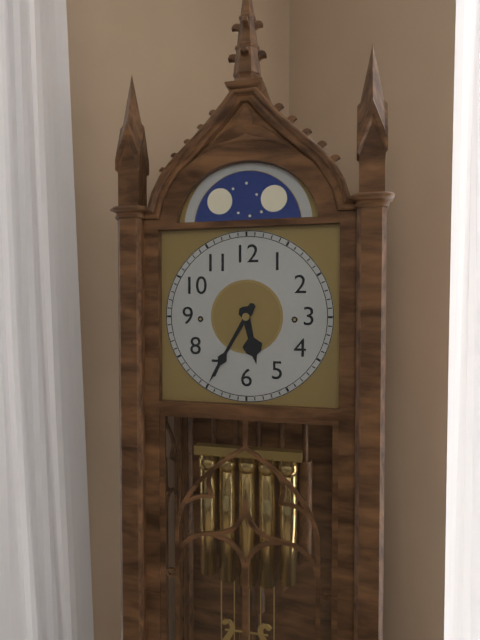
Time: 5h35
